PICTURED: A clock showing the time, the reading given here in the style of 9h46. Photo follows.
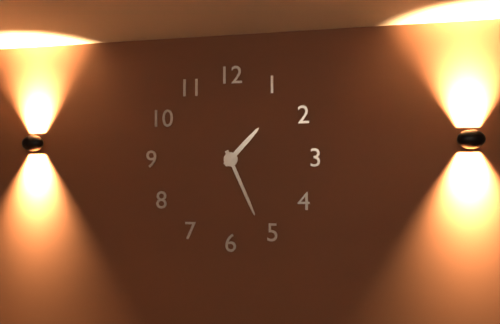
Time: 1h26
